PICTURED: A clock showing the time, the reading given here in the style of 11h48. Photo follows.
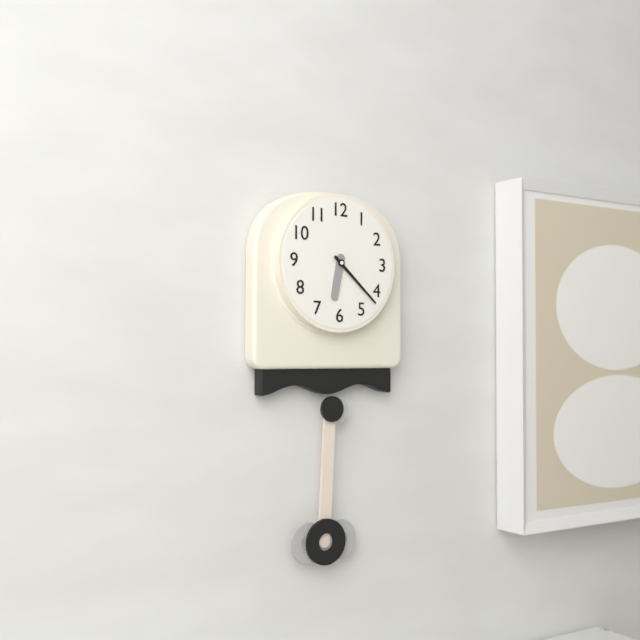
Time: 6h22
